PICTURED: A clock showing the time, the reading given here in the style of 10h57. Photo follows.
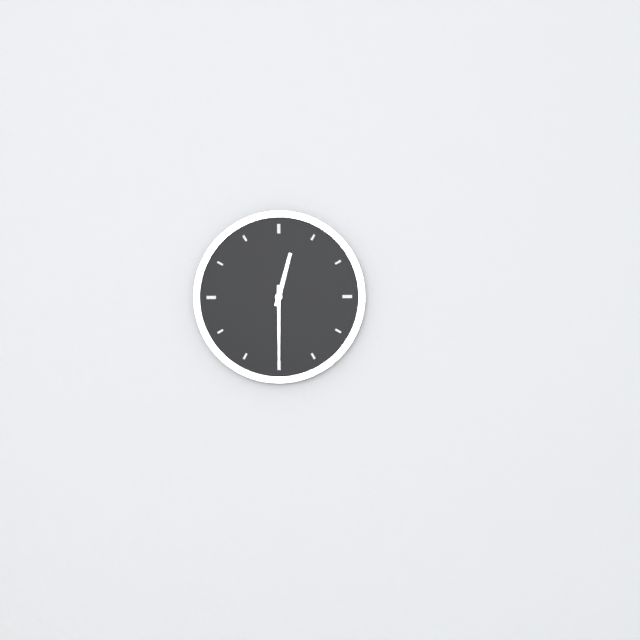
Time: 12h30
